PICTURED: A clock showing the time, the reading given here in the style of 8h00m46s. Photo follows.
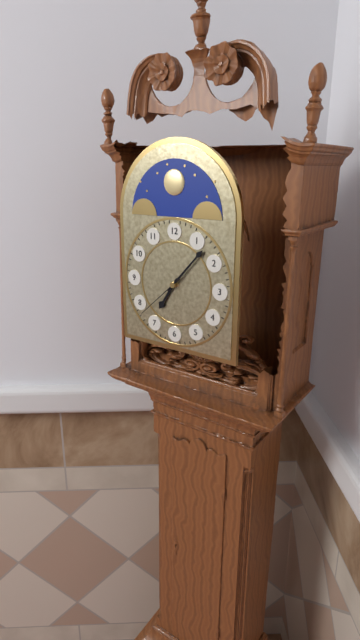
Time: 7h07m38s
